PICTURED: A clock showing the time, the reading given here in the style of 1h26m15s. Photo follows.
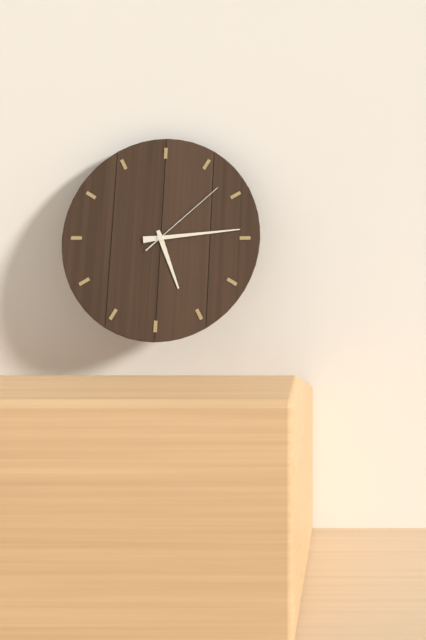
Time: 5h14m08s
